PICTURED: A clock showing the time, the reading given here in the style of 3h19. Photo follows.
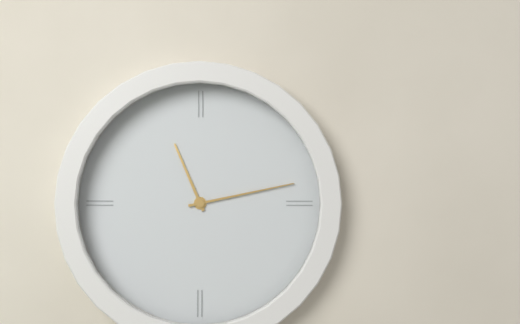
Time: 11h13
